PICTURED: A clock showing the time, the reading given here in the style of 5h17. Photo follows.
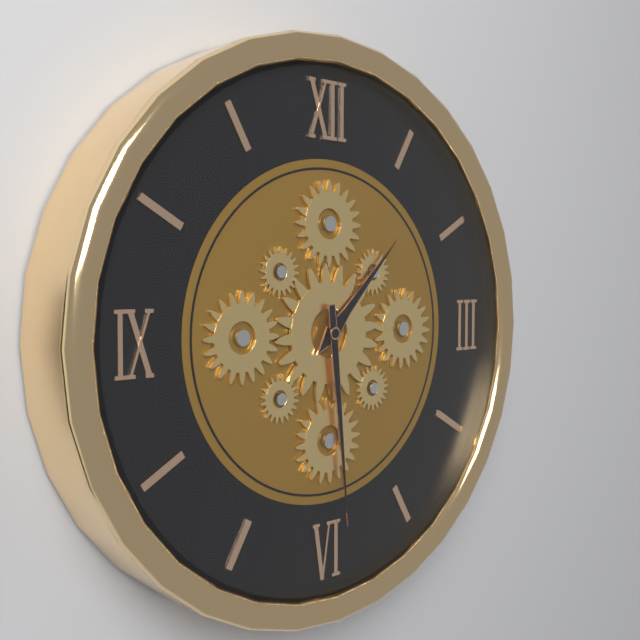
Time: 1h29
